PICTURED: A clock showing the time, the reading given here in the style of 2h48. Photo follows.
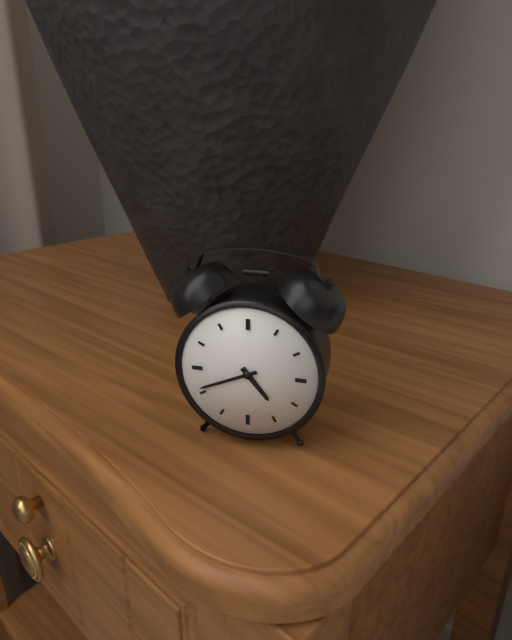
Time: 4h41
